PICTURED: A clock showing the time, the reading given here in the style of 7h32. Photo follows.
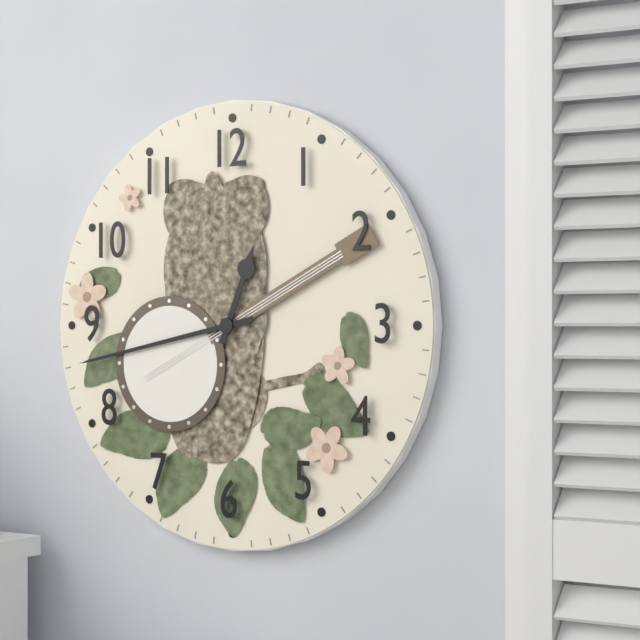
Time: 12h43
